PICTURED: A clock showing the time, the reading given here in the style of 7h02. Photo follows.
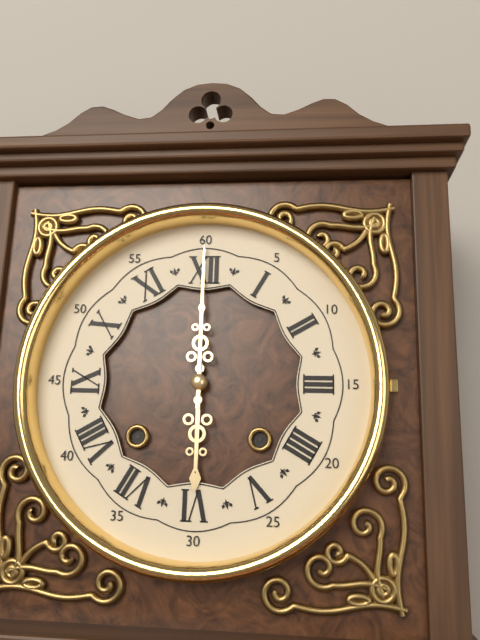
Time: 6h00
